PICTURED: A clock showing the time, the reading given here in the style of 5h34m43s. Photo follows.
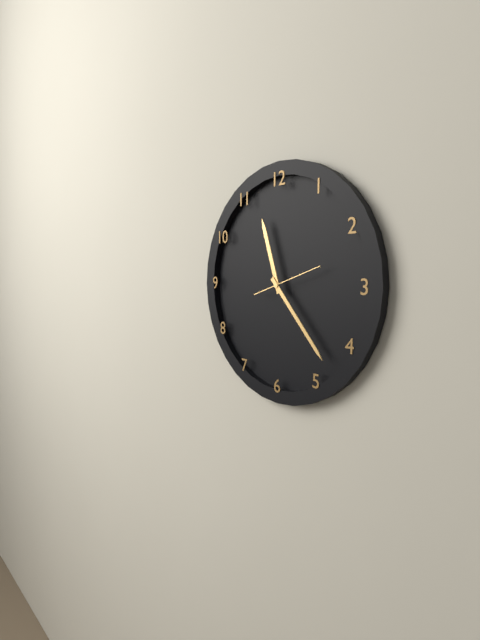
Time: 11h23m12s
